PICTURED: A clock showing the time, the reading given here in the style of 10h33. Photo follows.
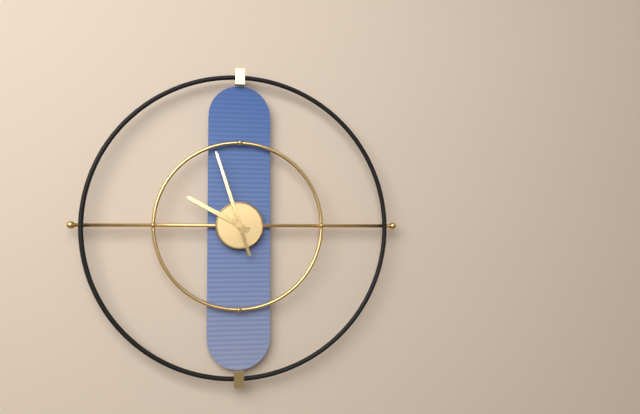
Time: 9h57
